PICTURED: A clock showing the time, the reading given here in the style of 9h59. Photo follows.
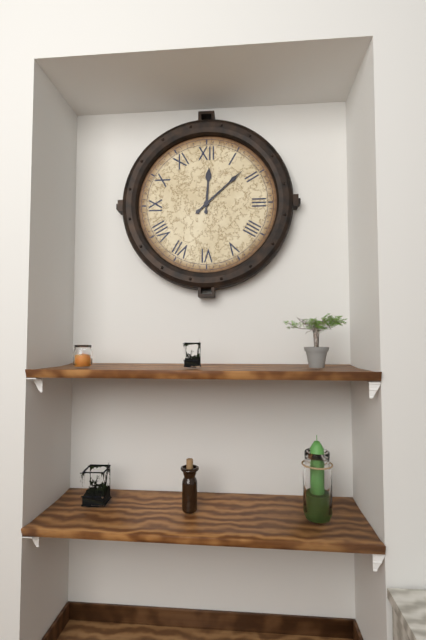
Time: 12h08
